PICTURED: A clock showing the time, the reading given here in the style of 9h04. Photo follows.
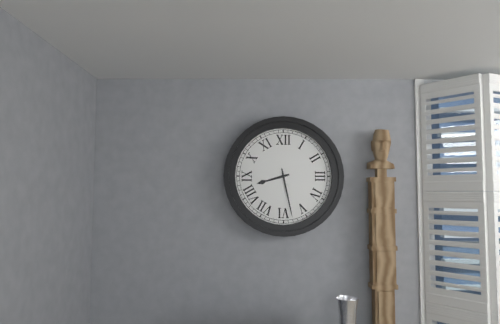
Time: 8h28
